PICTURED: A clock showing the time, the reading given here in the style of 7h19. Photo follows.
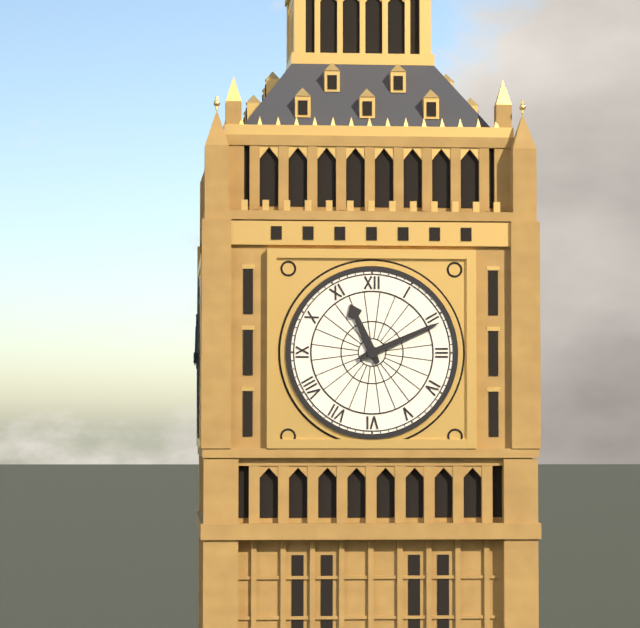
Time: 11h11
